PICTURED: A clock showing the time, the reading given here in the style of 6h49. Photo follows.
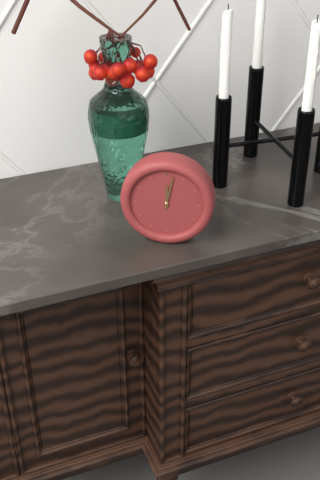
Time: 12h02
